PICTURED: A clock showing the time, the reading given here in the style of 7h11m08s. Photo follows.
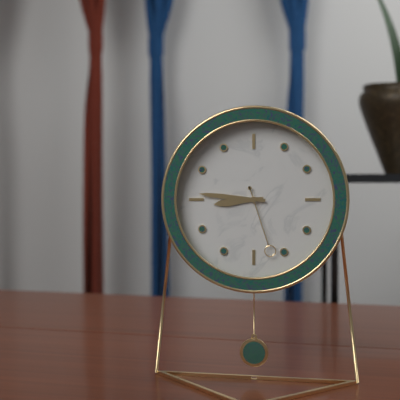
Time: 8h46m27s
